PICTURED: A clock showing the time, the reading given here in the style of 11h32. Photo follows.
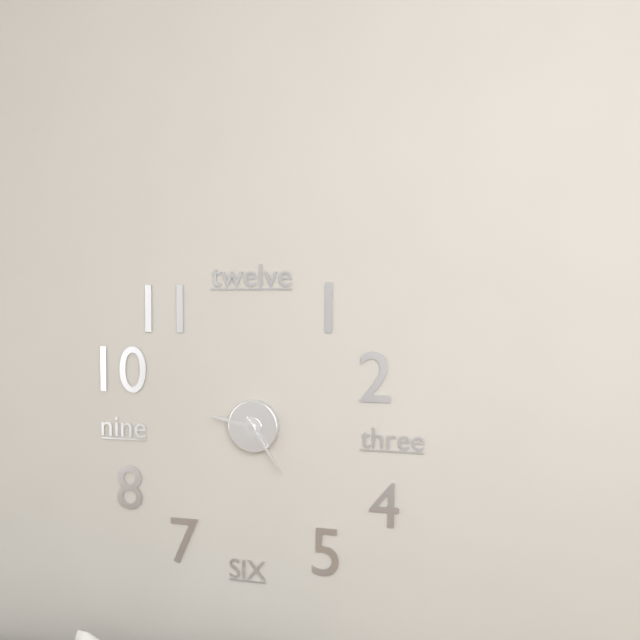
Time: 9h24
